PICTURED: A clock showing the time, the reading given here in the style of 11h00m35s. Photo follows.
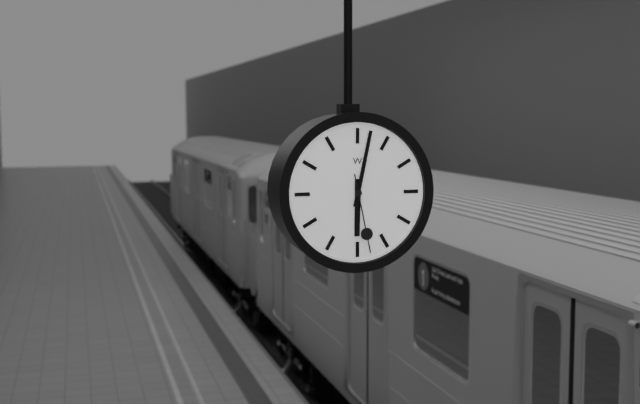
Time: 6h02m28s
